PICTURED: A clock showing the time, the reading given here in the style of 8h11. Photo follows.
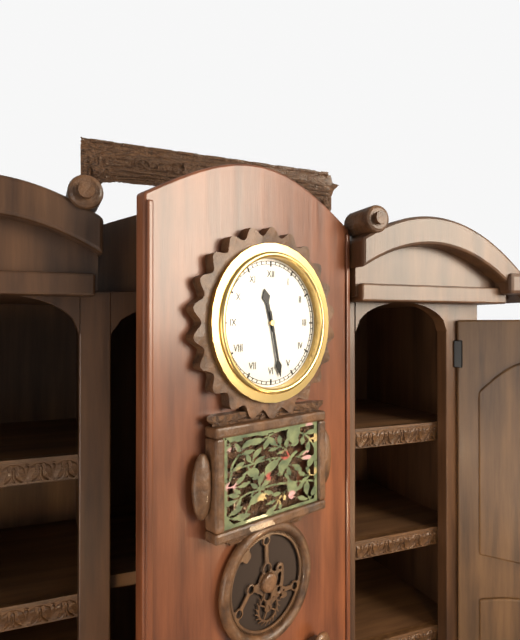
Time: 11h28
